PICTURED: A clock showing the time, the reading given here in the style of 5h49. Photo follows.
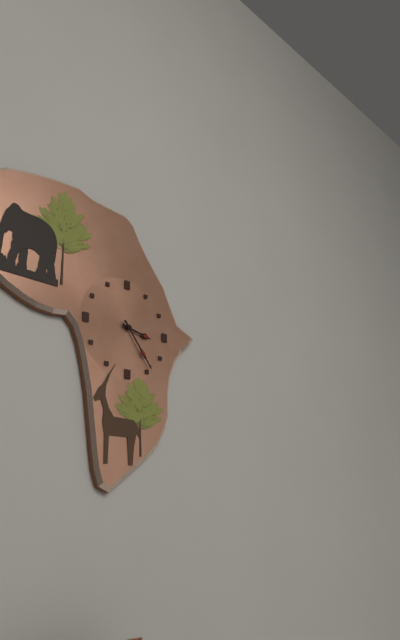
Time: 3h24
